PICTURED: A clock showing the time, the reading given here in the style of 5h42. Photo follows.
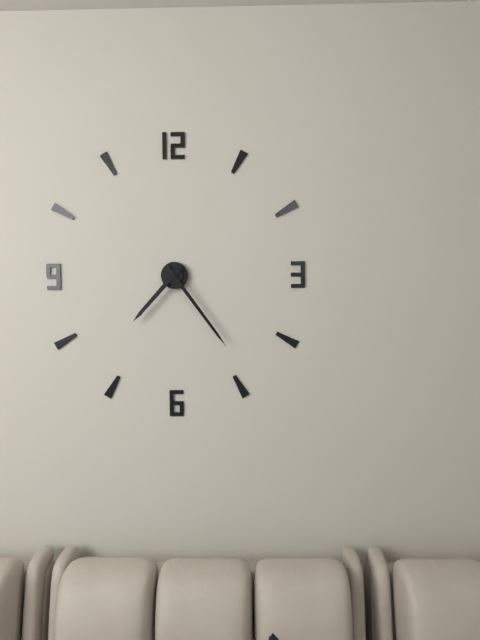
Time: 7h24
